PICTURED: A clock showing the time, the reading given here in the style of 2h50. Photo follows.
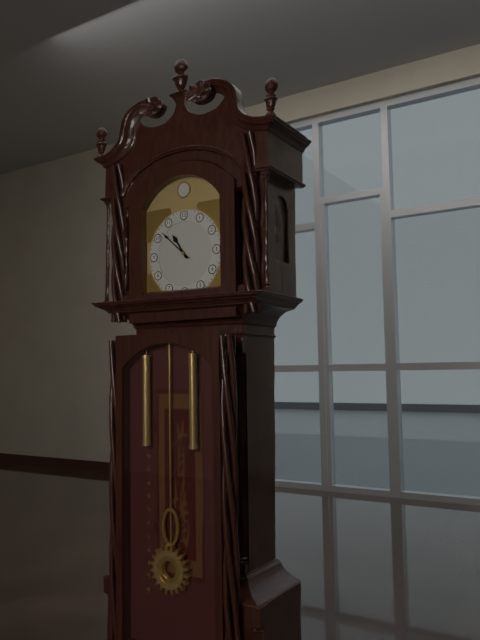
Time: 10h52
